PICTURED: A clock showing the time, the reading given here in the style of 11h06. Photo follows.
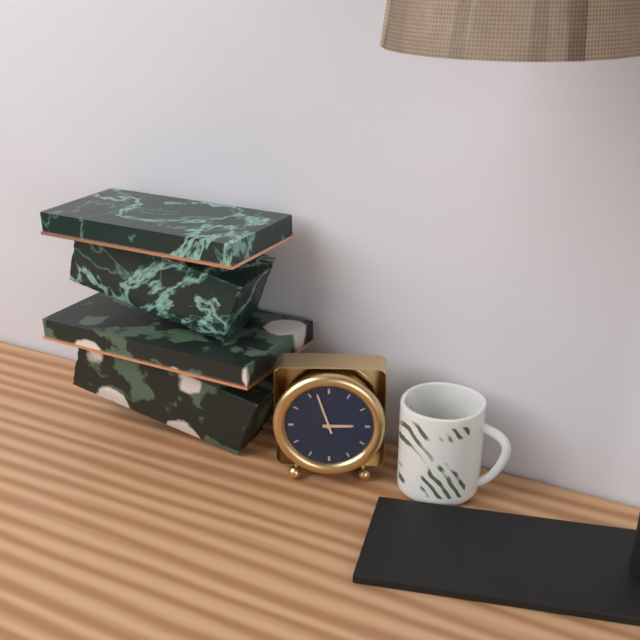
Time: 2h57
